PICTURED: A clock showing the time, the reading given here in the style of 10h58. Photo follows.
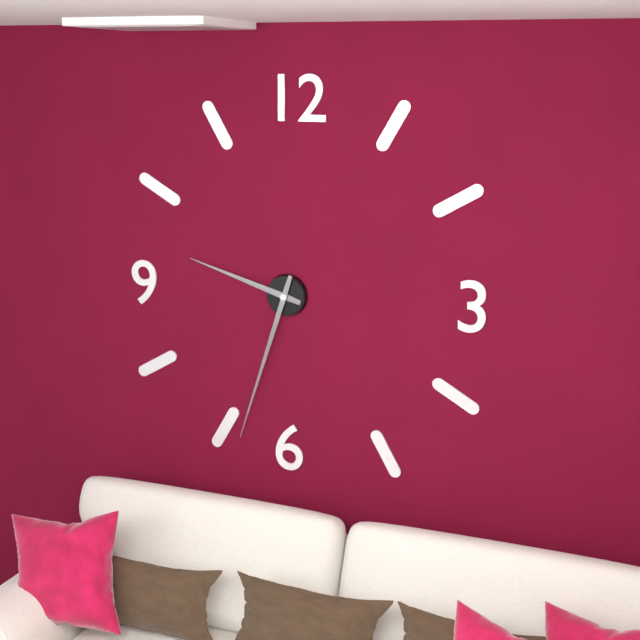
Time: 9h33
